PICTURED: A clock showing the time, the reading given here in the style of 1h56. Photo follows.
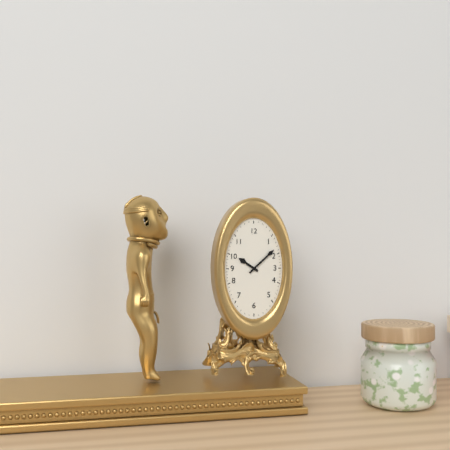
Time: 10h08
